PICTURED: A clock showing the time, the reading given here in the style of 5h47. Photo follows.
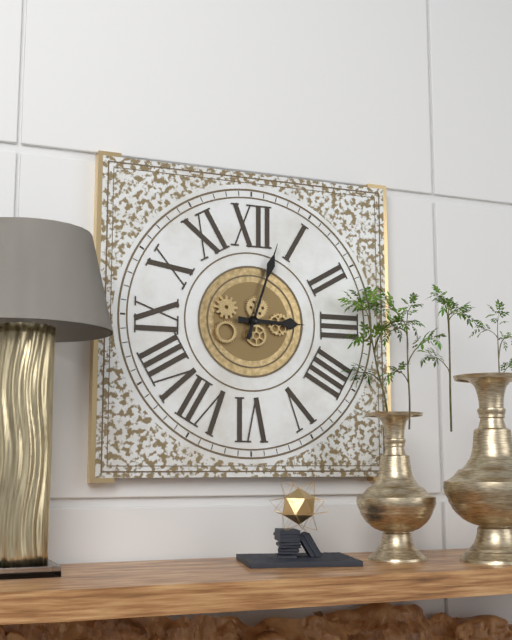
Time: 3h03
